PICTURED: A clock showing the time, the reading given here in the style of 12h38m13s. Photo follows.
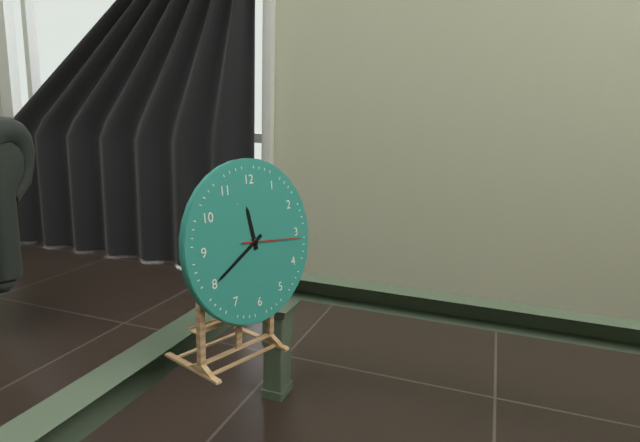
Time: 11h40m16s
